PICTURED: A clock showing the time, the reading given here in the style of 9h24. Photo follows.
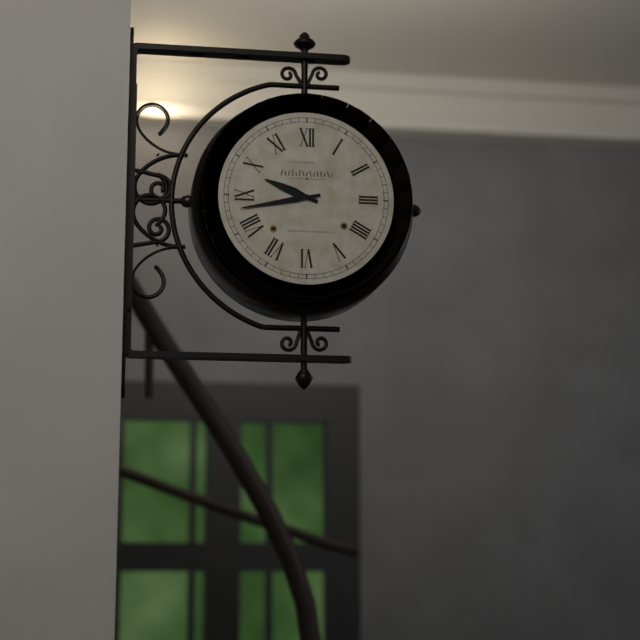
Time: 9h43
